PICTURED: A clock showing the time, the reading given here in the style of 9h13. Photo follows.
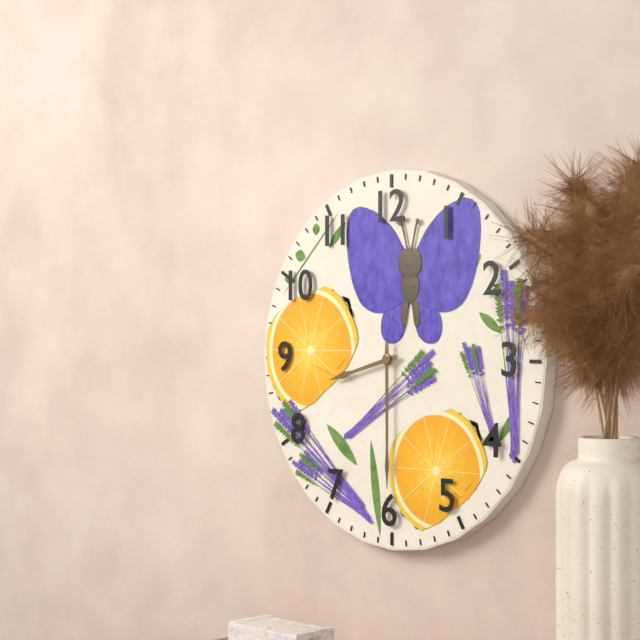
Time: 8h30
